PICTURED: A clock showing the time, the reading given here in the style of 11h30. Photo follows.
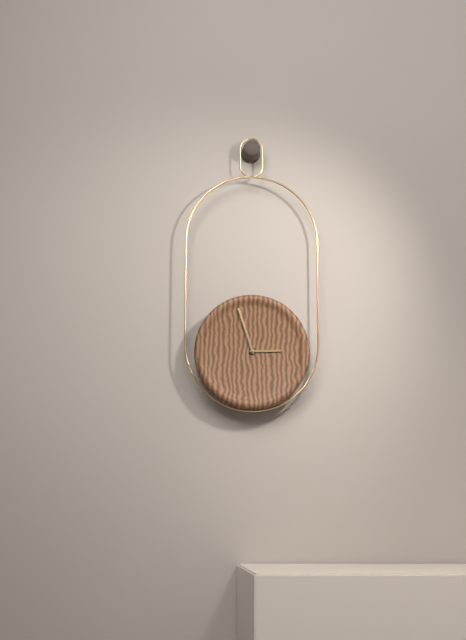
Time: 2h57
